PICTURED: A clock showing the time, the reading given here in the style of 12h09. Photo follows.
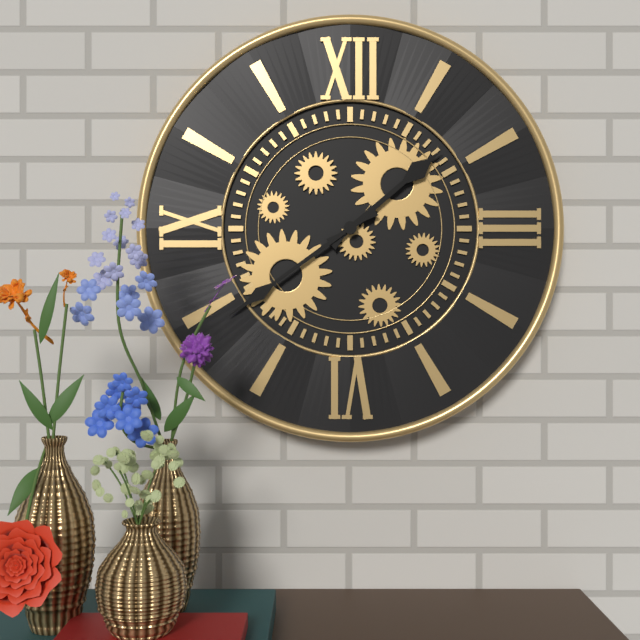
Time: 1h39
